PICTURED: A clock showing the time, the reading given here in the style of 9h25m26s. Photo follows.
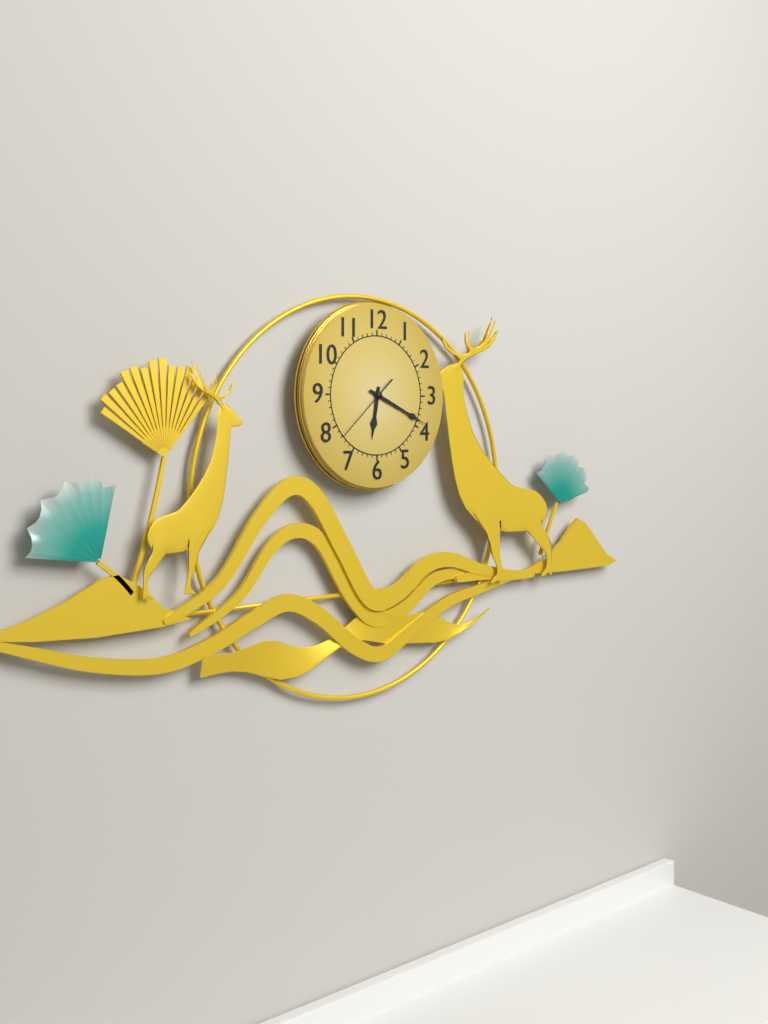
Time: 6h19m38s
